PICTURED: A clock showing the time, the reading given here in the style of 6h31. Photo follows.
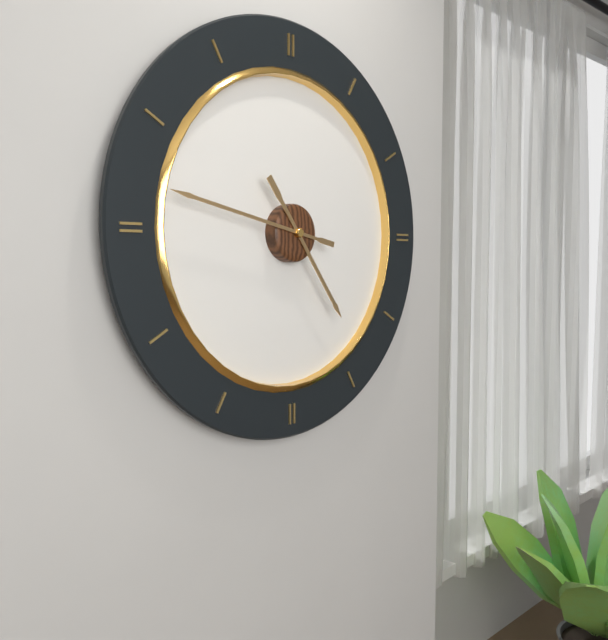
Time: 4h47
